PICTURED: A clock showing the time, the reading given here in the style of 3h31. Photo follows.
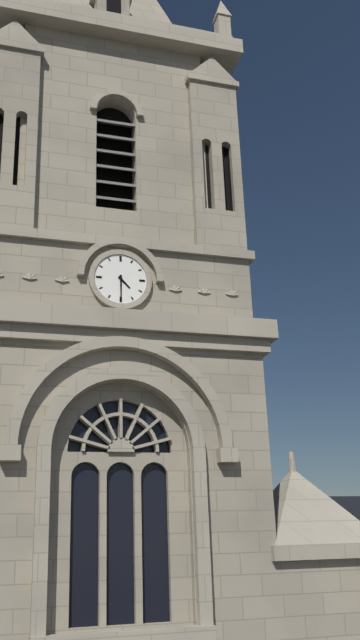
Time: 4h30
